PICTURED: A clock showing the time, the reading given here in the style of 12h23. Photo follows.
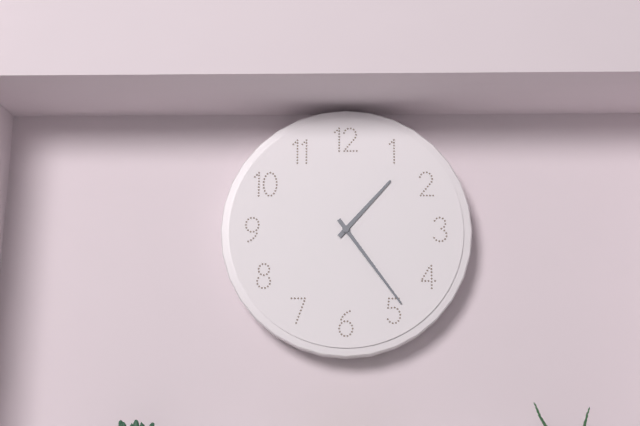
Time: 1h24
